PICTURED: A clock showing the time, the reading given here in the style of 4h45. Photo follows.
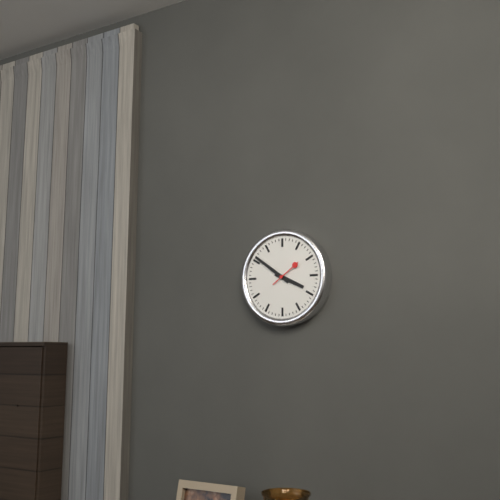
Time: 3h51
